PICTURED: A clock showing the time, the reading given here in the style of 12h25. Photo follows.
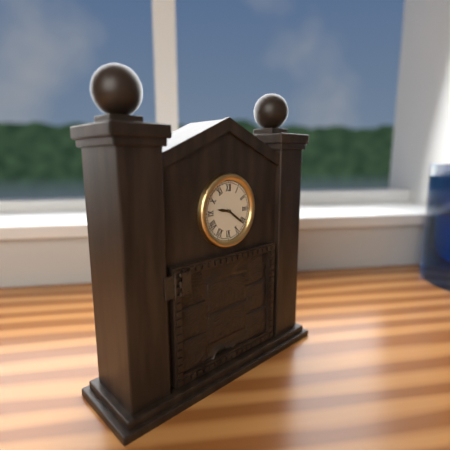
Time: 9h21
